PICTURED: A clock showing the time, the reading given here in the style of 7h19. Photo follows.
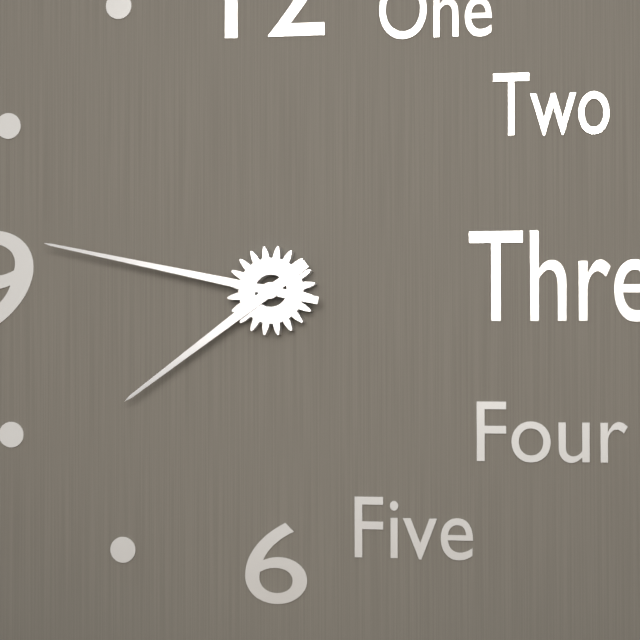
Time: 7h47
